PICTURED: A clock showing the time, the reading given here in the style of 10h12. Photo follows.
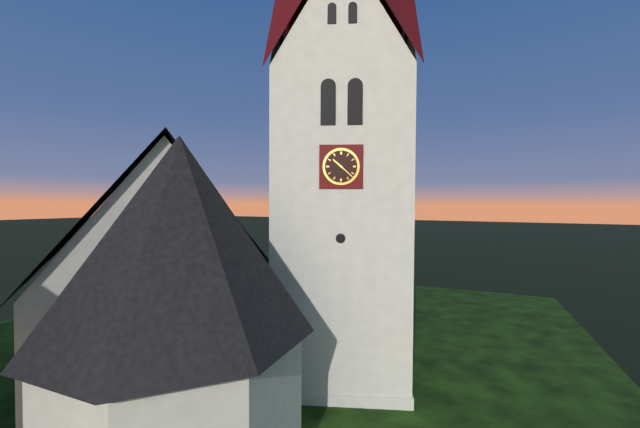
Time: 10h22
